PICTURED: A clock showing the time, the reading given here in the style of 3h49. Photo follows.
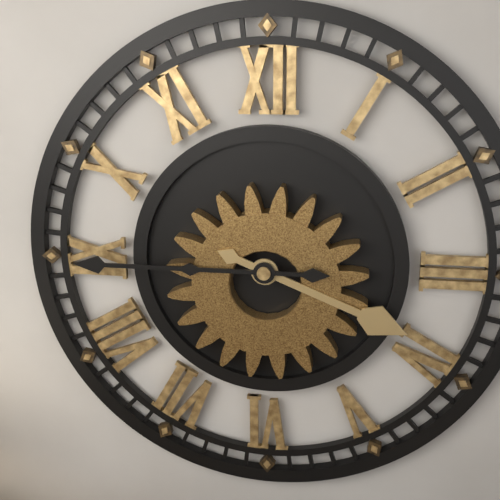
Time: 3h45
